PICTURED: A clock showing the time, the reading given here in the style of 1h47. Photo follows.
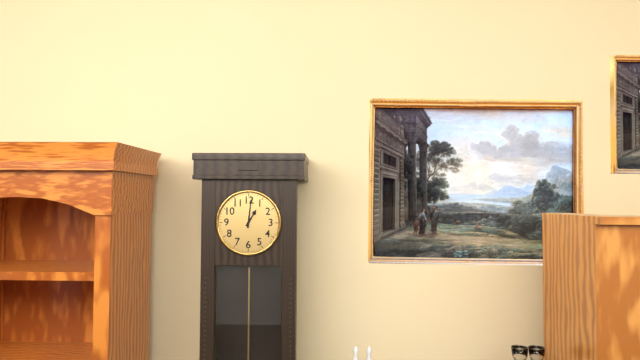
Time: 1h01
